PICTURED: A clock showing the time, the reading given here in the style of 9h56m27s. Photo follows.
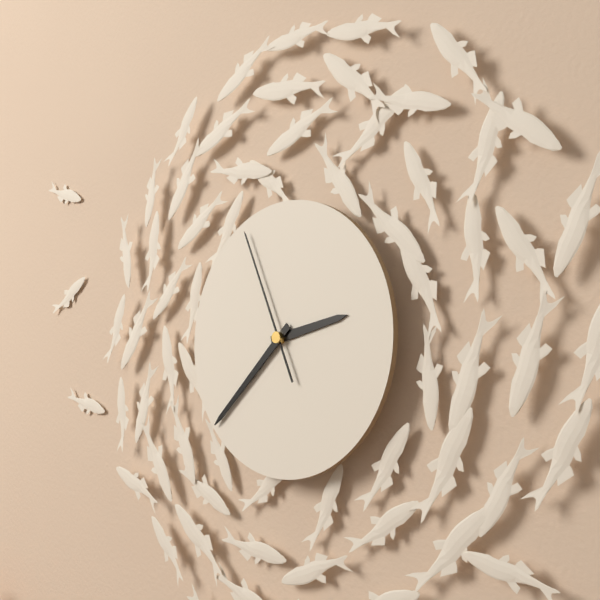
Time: 2h38m56s
